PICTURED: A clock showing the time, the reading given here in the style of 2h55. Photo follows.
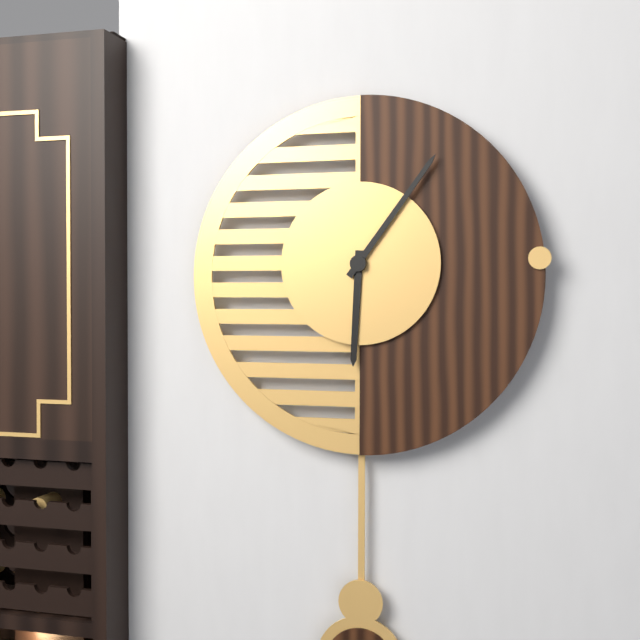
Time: 6h06
